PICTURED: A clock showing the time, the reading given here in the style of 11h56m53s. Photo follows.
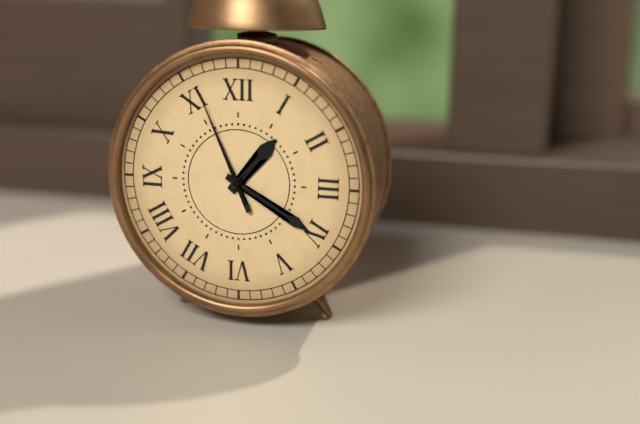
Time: 1h20m56s
